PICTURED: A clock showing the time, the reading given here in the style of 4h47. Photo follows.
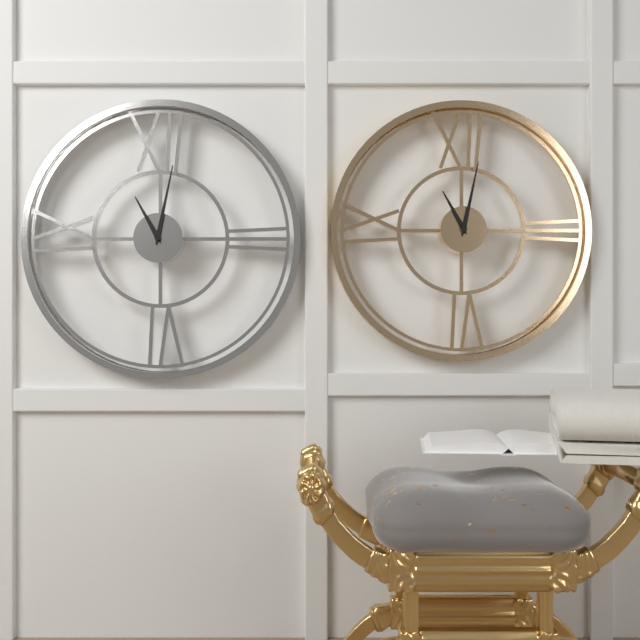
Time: 11h02
